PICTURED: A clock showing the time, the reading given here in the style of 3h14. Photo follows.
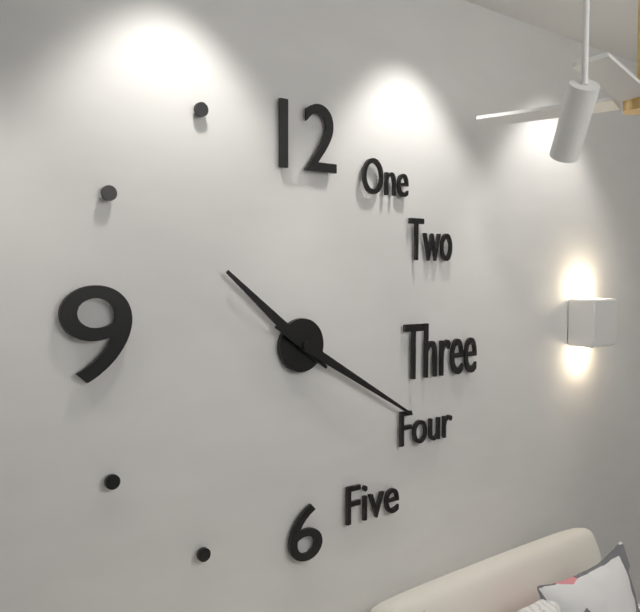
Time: 10h20
